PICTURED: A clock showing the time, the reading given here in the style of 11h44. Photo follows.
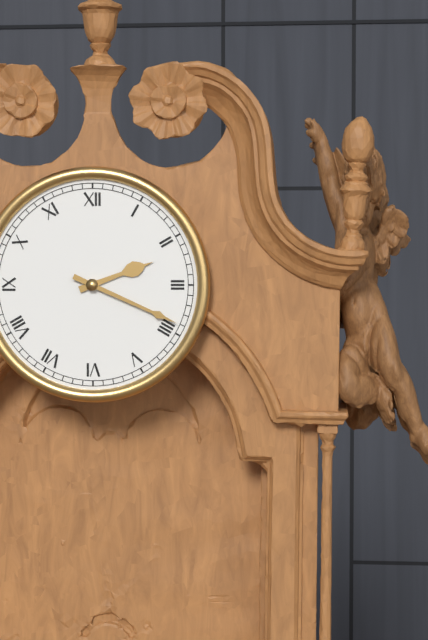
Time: 2h19
